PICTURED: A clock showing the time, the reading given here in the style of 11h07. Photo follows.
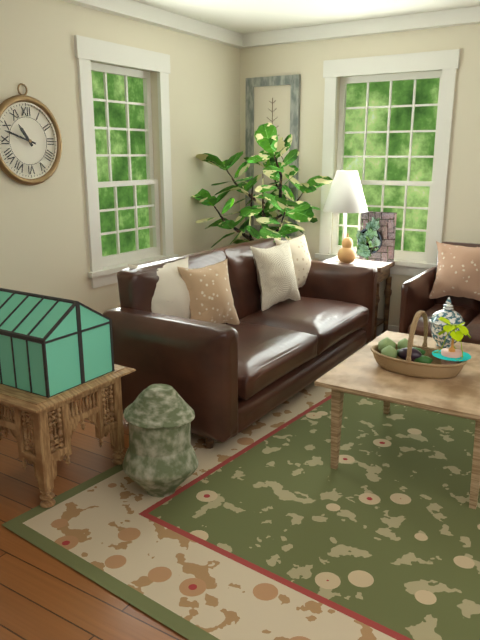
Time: 10h48
